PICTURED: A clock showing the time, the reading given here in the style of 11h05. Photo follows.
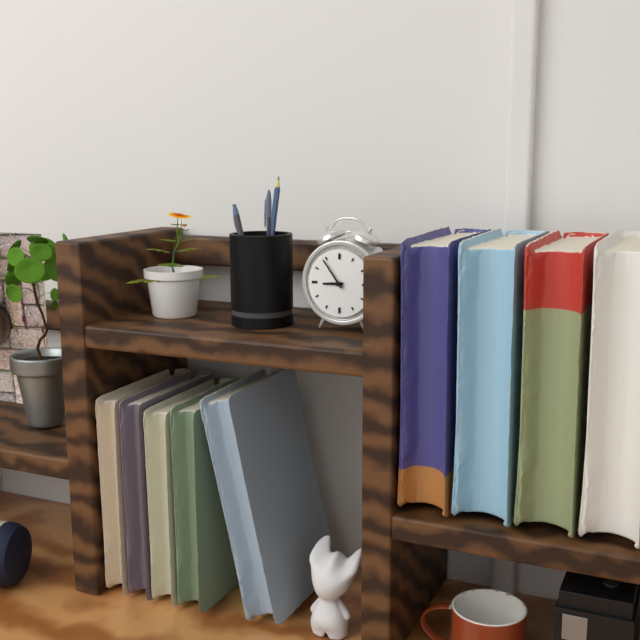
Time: 8h54
